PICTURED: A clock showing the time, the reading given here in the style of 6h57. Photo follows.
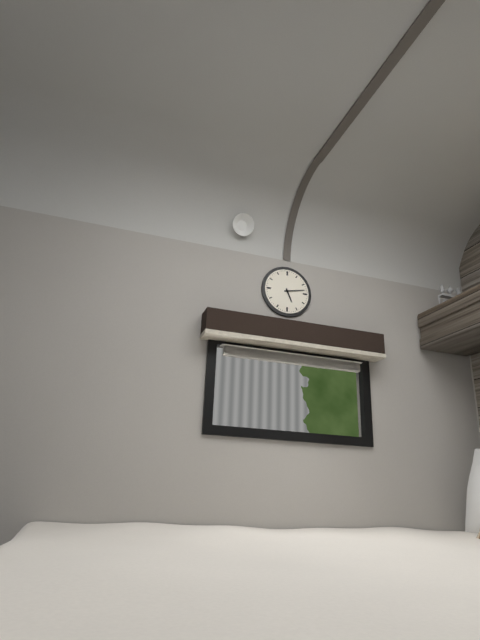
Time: 5h13
